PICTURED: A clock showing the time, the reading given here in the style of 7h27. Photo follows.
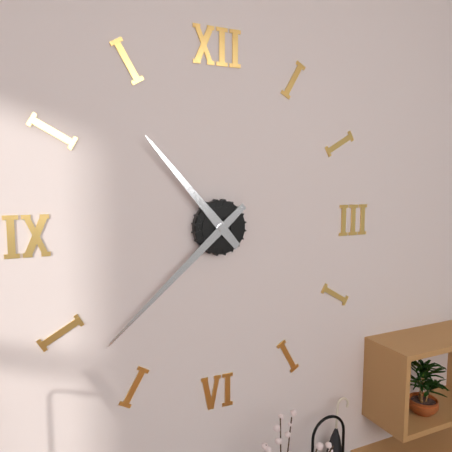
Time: 10h38
